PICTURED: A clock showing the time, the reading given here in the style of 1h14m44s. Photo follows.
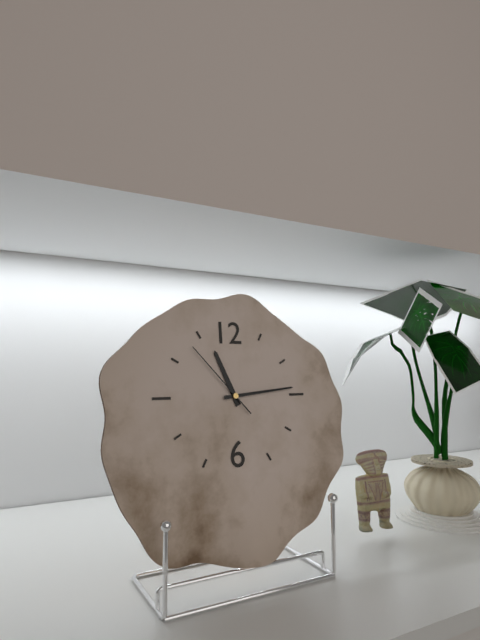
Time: 11h14m53s
